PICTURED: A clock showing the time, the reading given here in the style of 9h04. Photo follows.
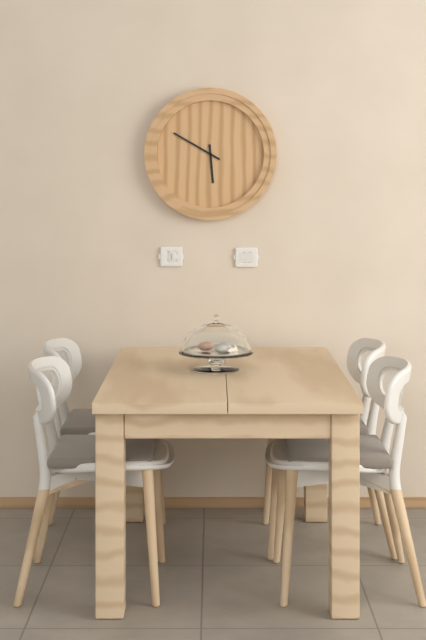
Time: 5h50
